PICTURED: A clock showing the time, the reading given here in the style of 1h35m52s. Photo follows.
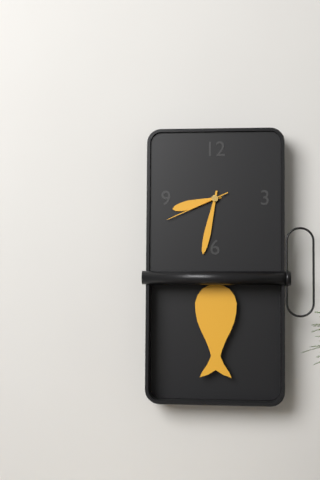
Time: 8h32m41s
